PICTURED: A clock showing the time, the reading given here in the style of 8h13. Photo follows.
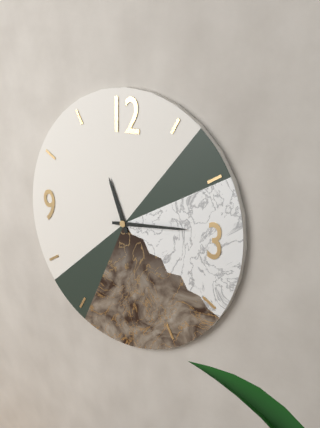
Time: 11h14
